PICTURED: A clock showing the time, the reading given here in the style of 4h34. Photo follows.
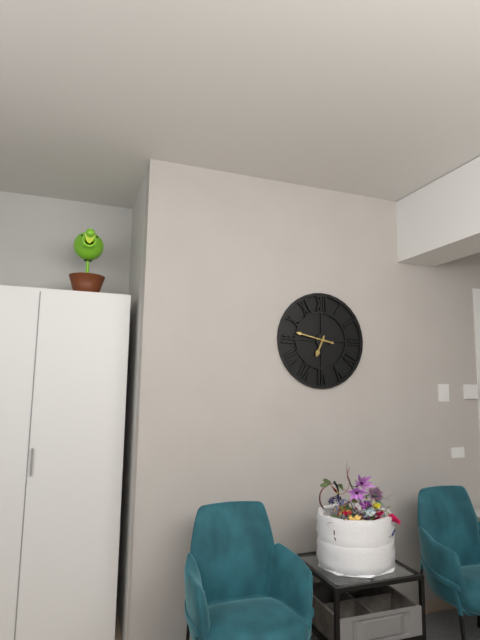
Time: 6h47
